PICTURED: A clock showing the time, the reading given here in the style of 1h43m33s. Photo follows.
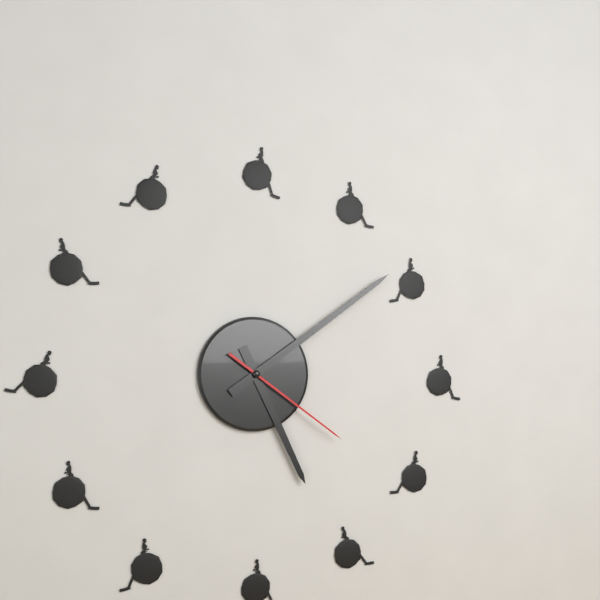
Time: 5h09m21s
